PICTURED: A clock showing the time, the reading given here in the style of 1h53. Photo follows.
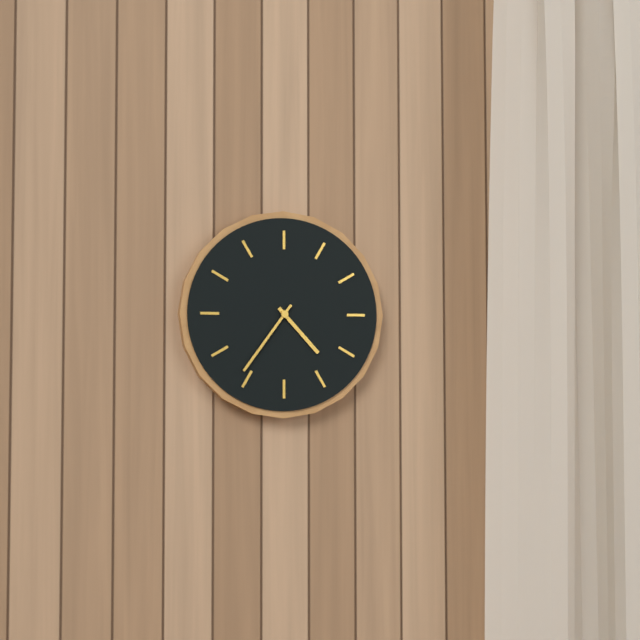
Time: 4h36
